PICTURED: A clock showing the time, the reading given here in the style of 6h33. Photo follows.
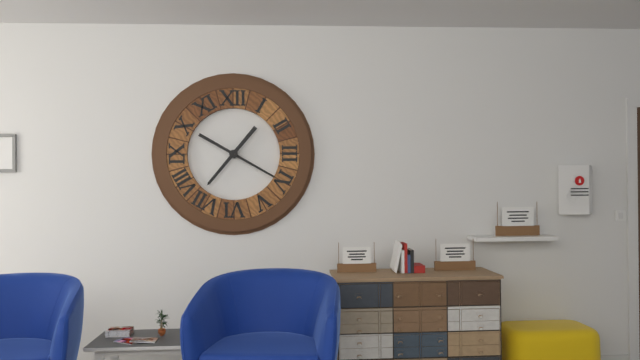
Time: 7h20
